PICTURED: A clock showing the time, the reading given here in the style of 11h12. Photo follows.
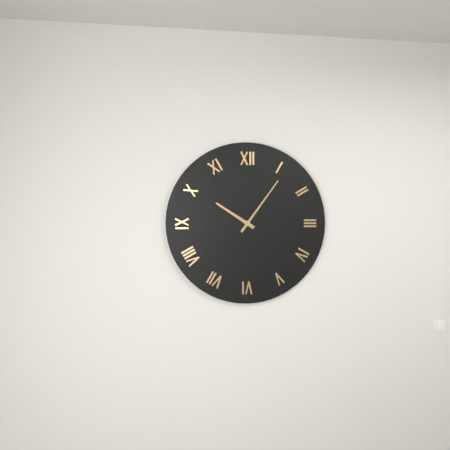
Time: 10h06
